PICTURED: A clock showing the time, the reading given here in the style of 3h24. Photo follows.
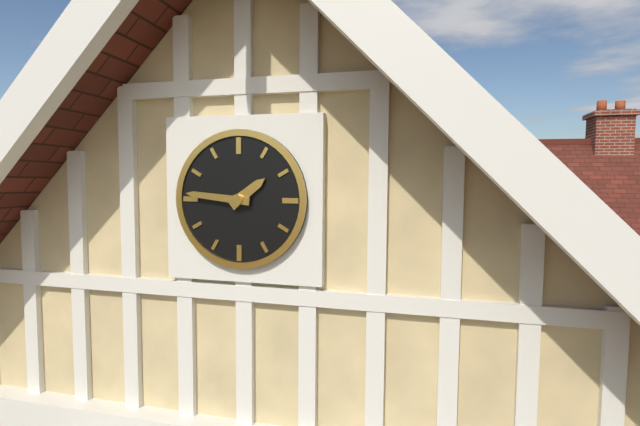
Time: 1h46
